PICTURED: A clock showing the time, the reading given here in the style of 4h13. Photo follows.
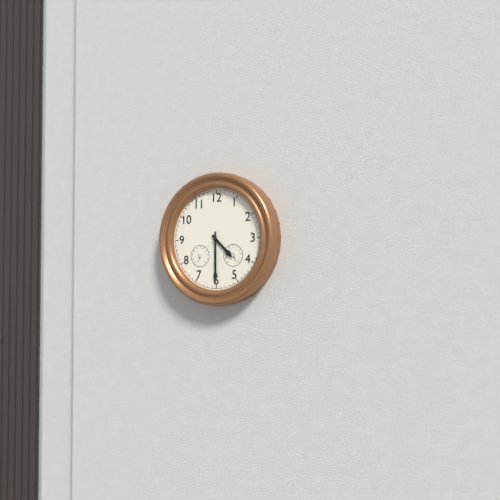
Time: 4h30
